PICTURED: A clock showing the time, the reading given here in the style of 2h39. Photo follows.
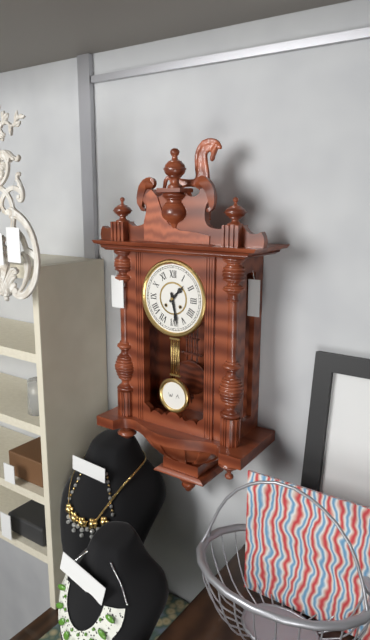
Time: 1h28
